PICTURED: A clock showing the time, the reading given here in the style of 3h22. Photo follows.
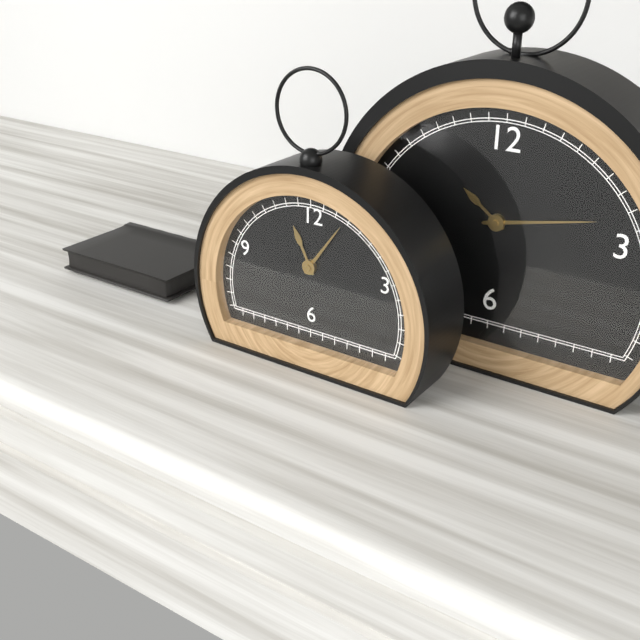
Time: 11h06
